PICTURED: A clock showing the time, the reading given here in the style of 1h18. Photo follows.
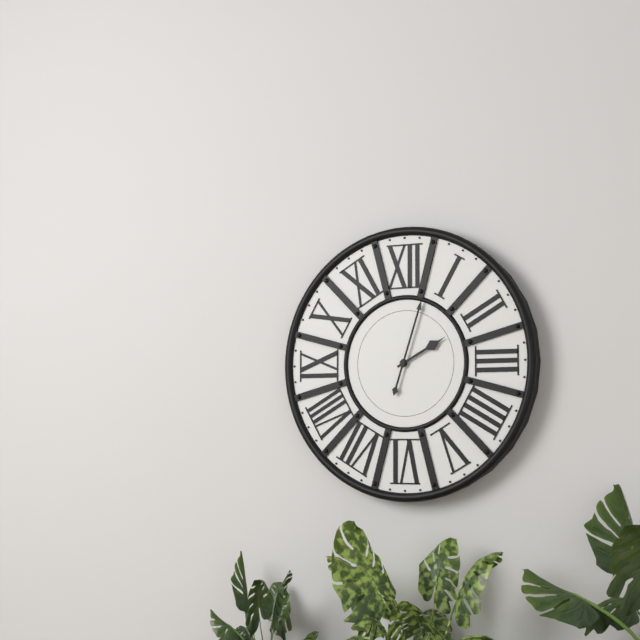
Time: 2h03
